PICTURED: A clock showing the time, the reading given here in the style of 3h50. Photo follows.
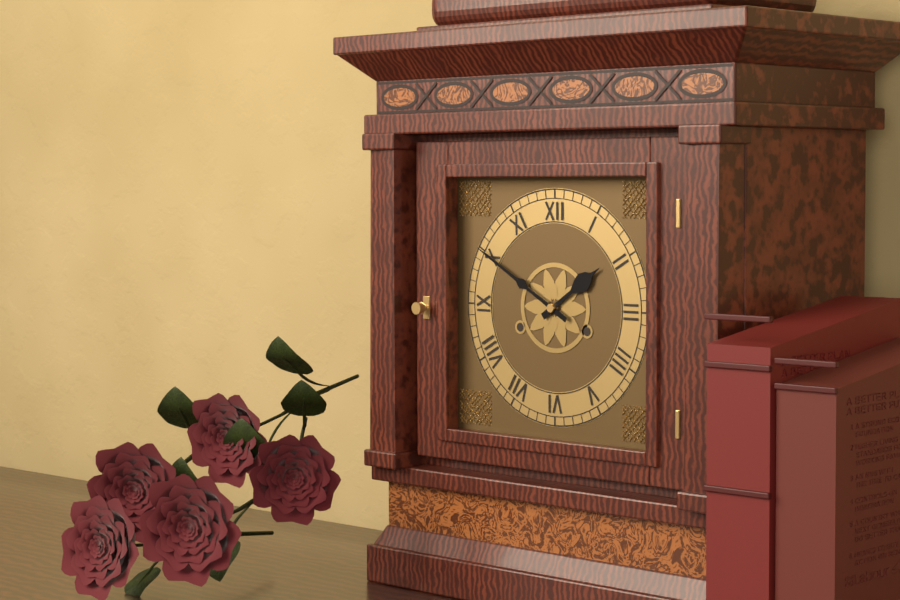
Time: 1h50
